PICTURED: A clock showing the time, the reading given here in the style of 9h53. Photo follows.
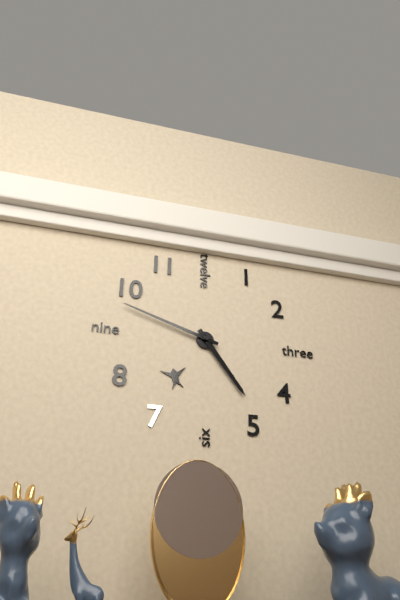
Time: 4h48
